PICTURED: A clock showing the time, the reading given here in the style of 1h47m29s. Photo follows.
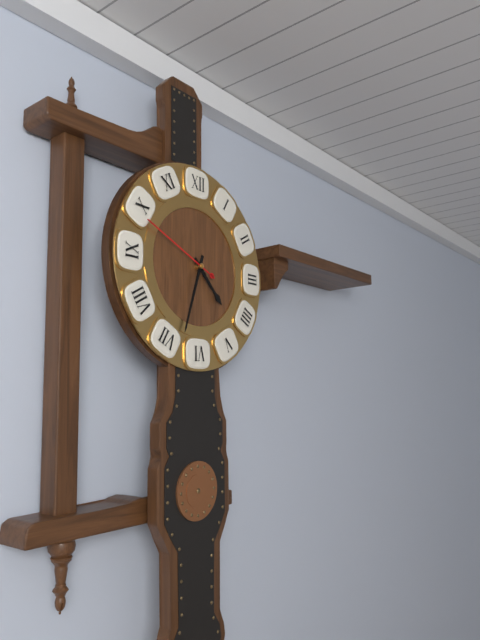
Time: 4h33m49s
